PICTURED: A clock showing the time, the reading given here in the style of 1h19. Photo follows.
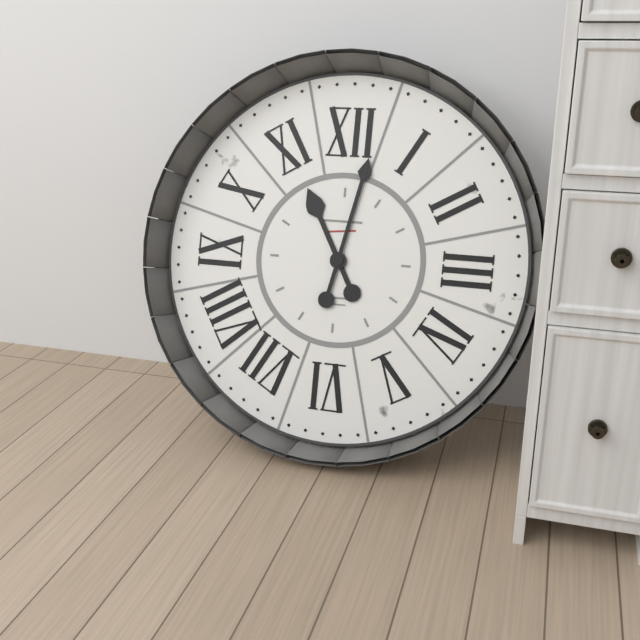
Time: 11h02
